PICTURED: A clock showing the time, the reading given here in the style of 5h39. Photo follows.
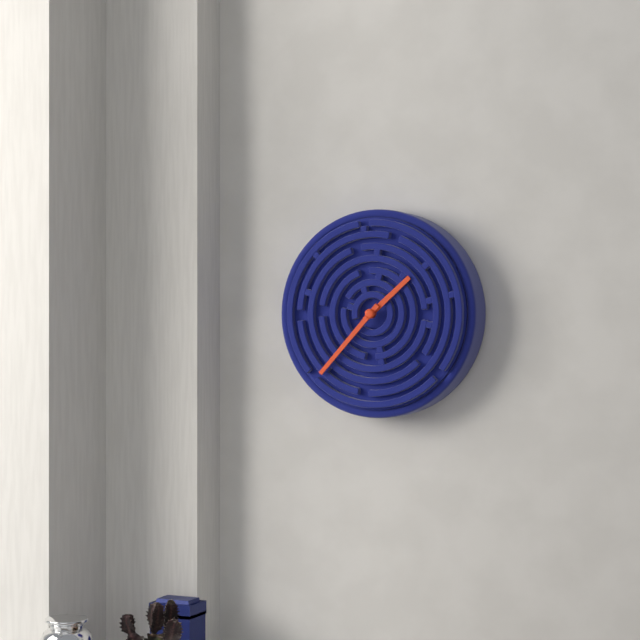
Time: 1h37
